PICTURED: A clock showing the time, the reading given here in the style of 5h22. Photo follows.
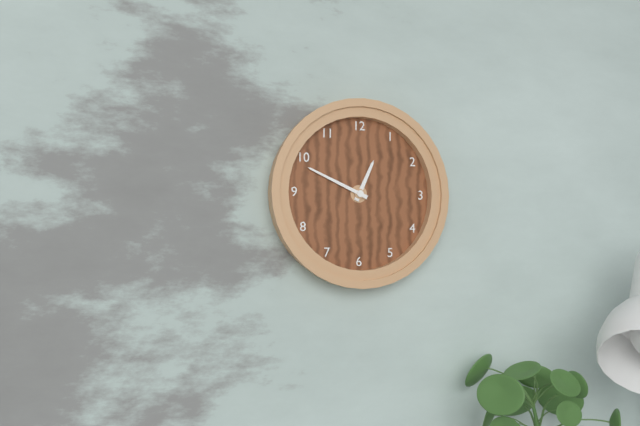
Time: 12h49
